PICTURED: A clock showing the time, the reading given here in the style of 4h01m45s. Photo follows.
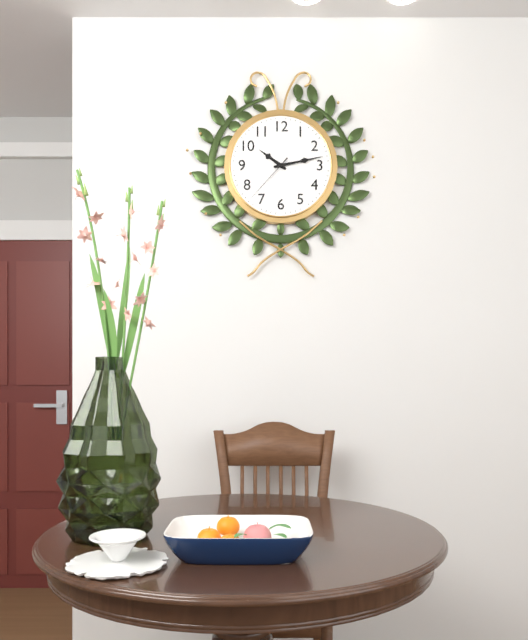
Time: 10h13m37s
